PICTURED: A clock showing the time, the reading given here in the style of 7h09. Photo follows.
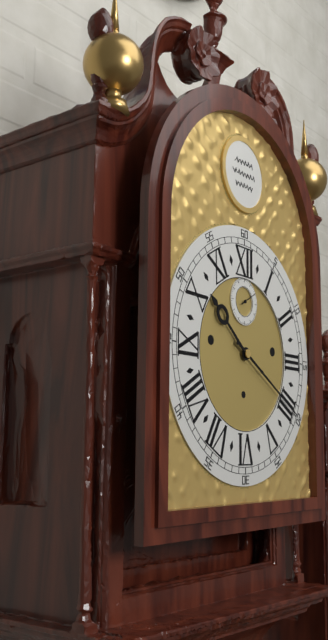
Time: 10h20
